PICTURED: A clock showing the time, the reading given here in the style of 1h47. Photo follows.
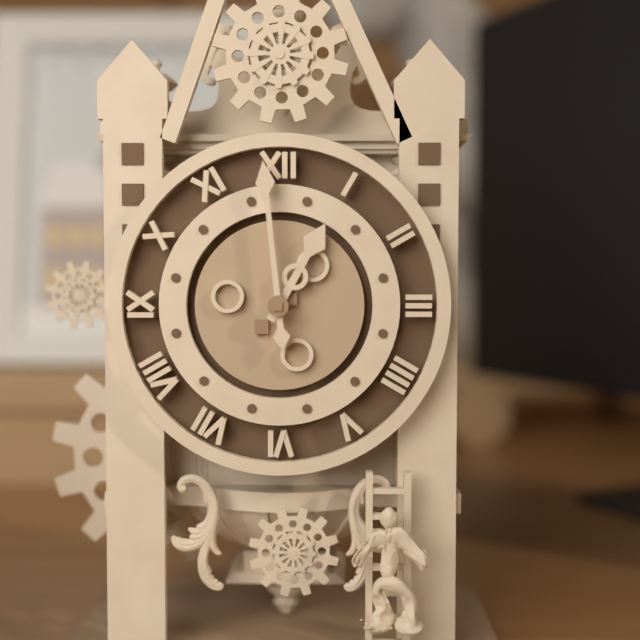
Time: 12h59
